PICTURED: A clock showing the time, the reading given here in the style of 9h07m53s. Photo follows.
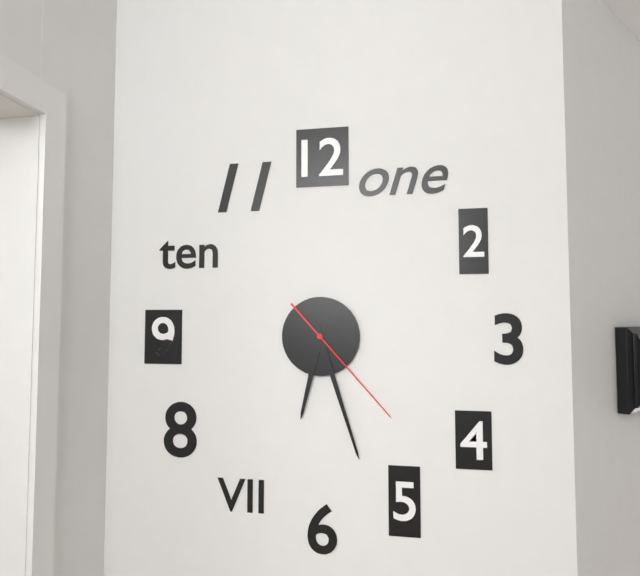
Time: 6h27m23s
